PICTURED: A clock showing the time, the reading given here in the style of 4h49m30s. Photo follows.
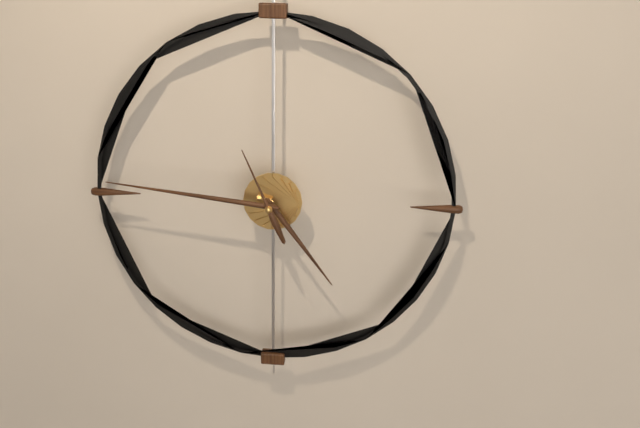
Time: 4h46m56s
